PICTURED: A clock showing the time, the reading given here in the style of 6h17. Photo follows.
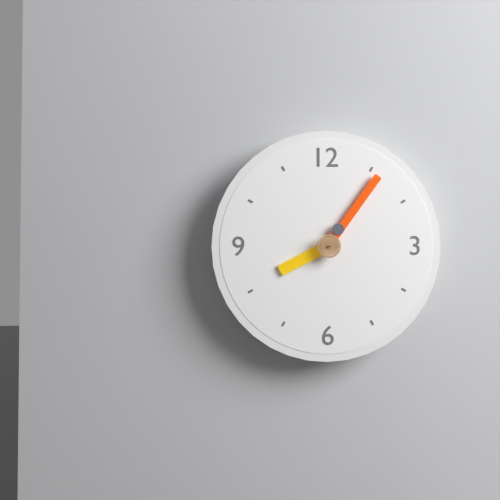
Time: 8h06
